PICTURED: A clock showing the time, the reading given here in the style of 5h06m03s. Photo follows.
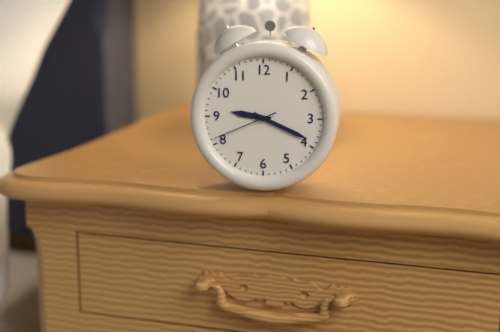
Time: 9h19m41s
